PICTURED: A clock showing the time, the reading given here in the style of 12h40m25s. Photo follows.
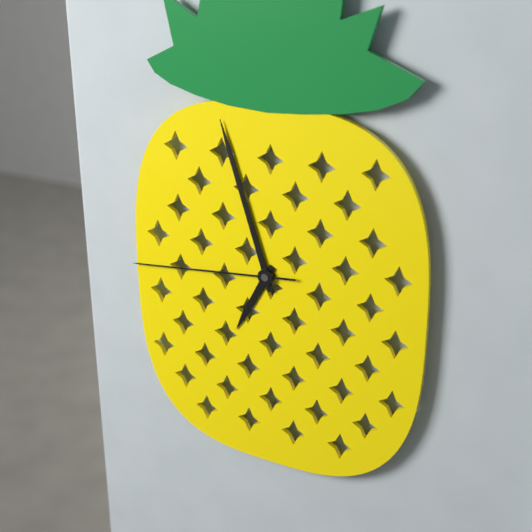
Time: 6h57m44s
